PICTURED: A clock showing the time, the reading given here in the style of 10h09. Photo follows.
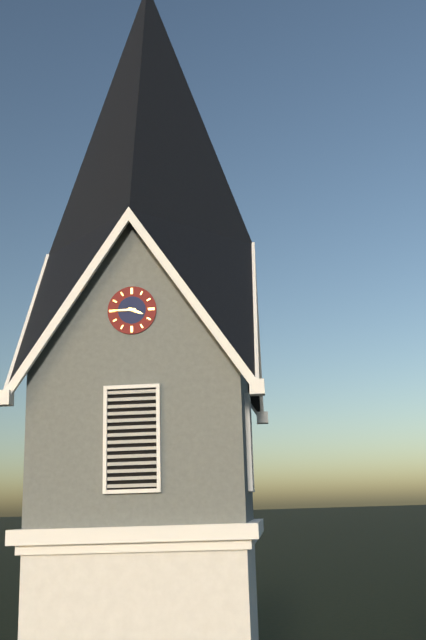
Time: 3h45
